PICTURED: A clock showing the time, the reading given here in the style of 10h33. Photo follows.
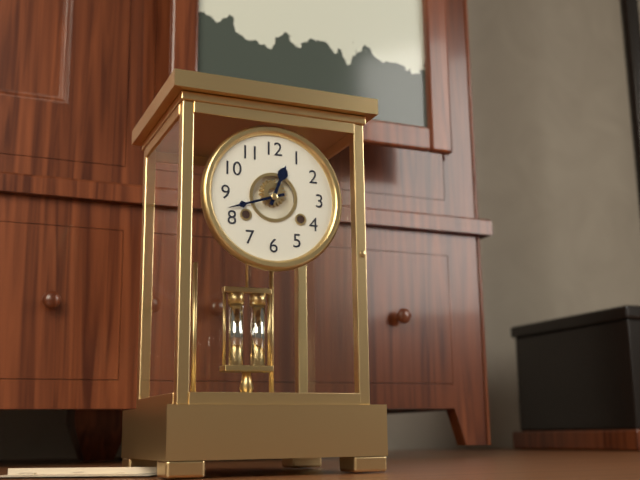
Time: 12h42
